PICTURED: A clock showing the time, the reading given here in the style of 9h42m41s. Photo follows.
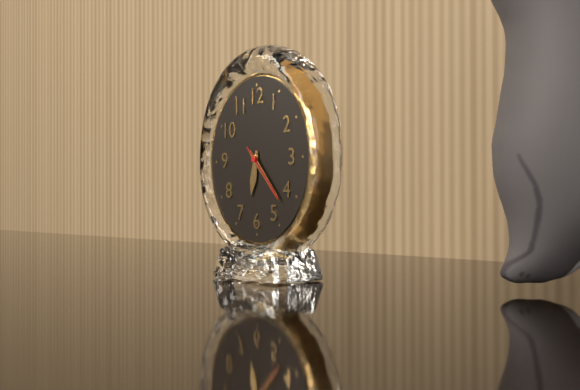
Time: 6h23m23s
